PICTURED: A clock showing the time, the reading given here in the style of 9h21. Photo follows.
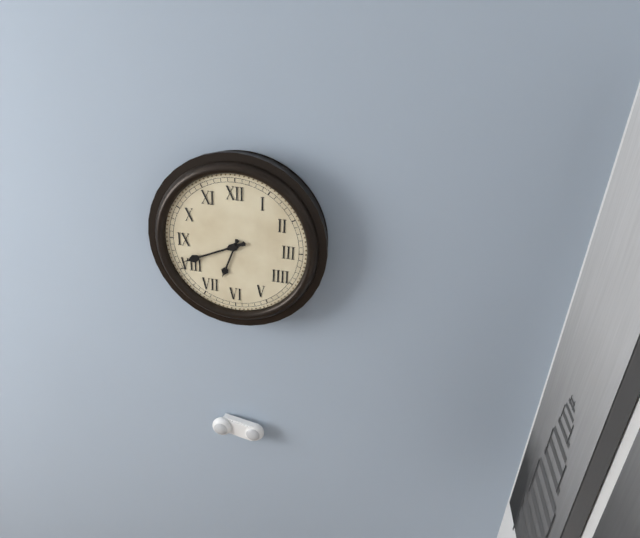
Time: 6h41
